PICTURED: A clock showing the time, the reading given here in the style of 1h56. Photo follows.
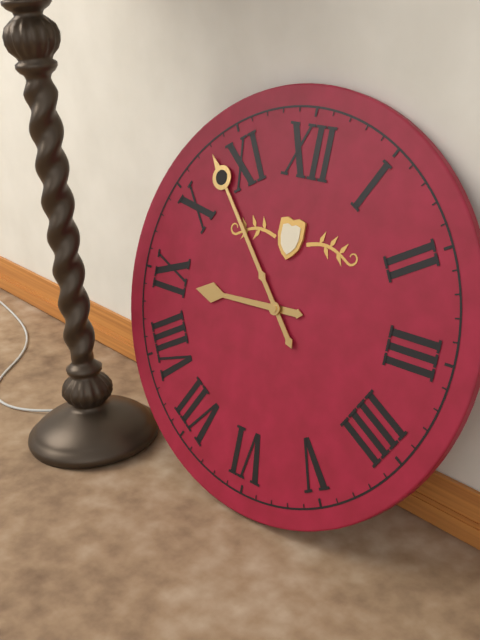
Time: 8h53
